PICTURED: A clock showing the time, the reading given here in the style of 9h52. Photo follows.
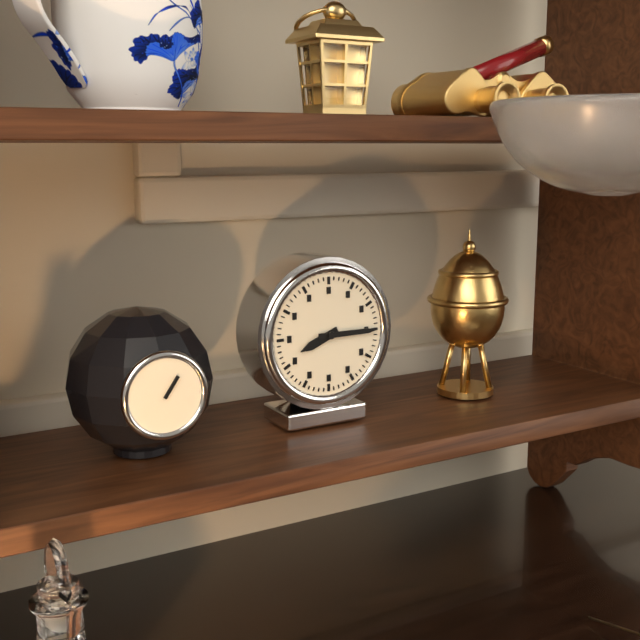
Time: 8h15
